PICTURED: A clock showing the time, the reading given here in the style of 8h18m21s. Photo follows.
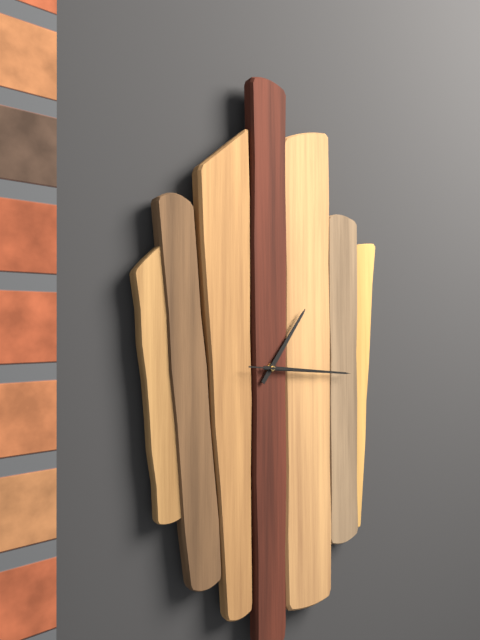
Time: 1h16m16s
